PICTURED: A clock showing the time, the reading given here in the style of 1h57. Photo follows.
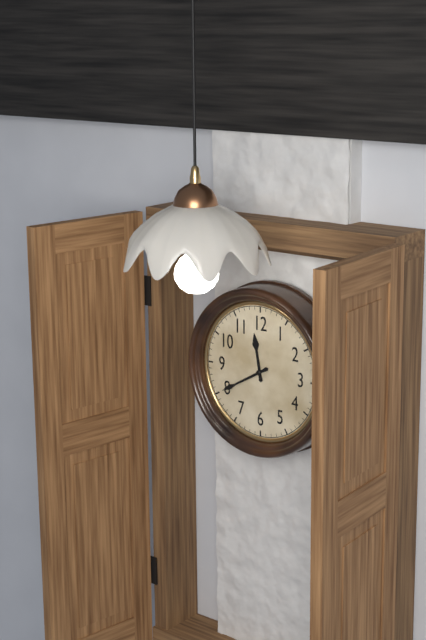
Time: 11h40
